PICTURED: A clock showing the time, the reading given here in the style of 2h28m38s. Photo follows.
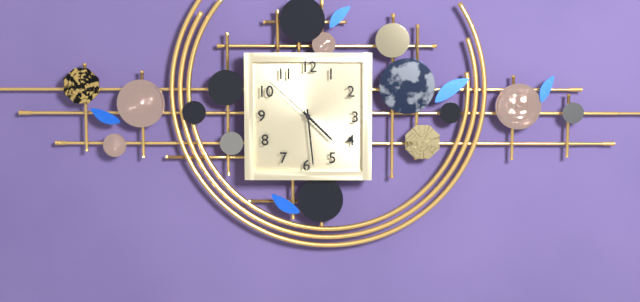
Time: 4h29m52s
